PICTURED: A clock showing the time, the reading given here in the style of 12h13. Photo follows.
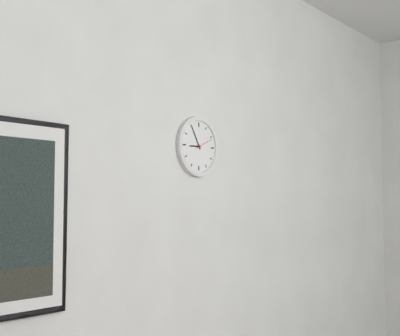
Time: 8h55
